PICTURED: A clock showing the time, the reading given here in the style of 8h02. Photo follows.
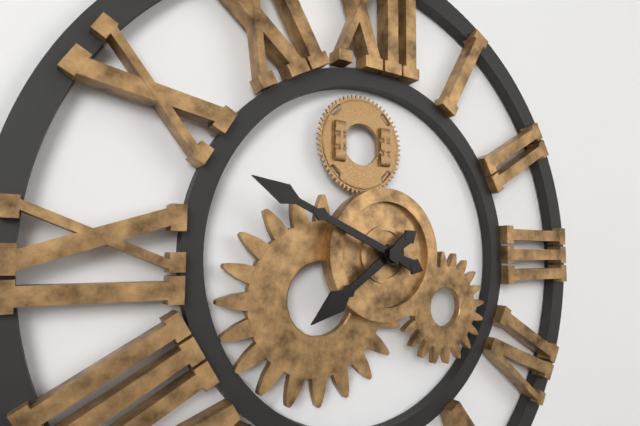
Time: 7h49
